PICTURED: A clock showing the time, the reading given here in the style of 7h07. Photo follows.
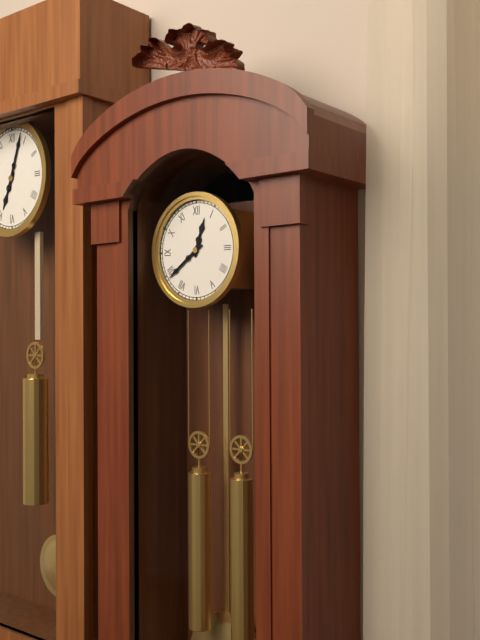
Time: 12h39
